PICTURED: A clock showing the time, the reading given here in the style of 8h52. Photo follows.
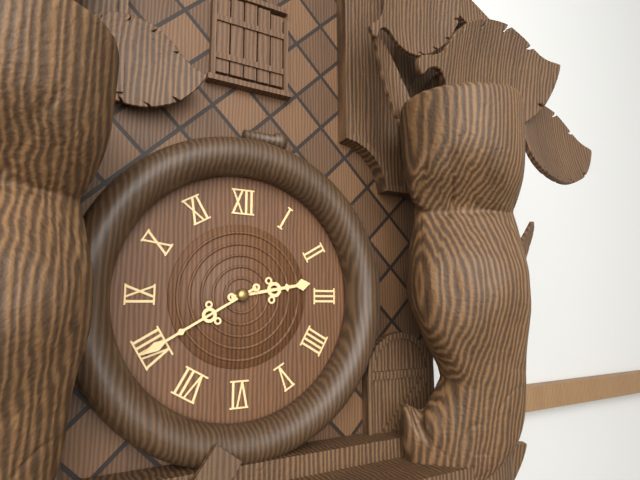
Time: 2h40
